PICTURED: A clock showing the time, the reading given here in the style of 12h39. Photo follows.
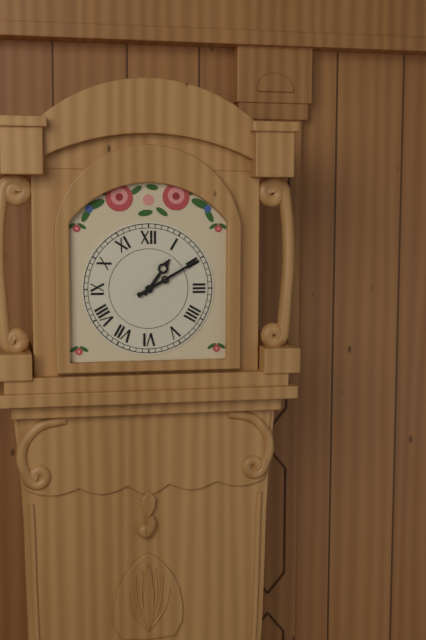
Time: 1h10
